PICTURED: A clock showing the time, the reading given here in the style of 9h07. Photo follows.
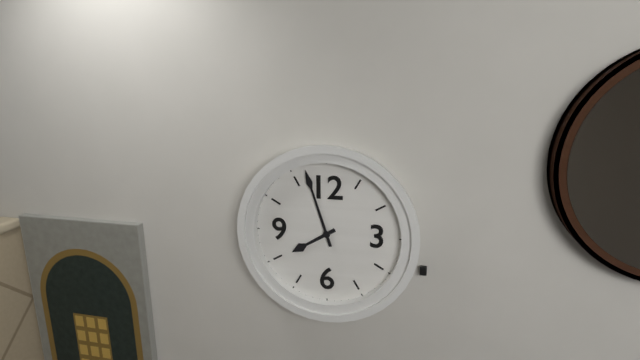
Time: 7h57
